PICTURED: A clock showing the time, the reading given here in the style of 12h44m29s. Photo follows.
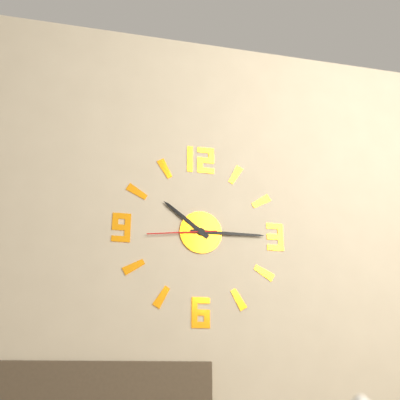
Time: 10h15m44s
